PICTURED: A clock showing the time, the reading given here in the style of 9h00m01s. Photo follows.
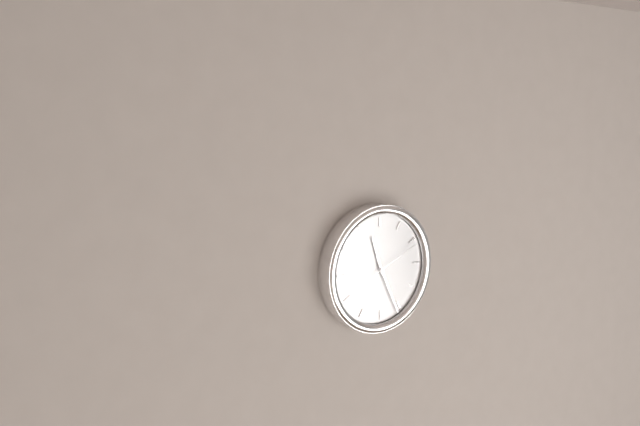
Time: 11h26m11s
